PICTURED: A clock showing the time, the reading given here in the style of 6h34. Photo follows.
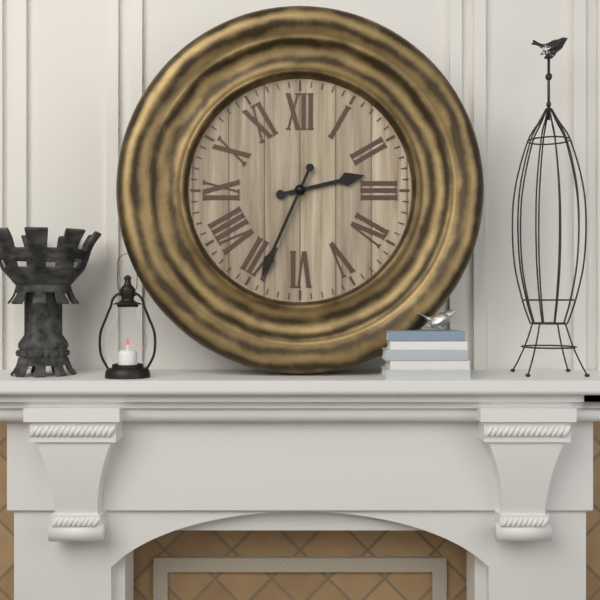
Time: 2h34
